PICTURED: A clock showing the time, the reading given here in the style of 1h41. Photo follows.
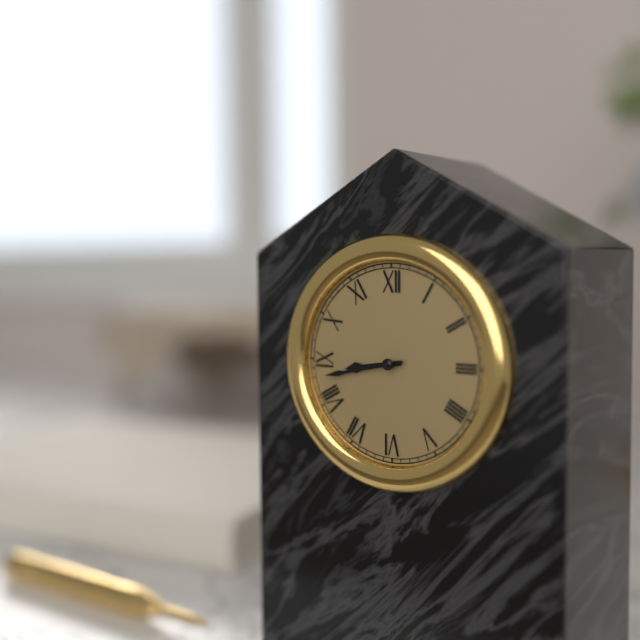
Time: 8h43
